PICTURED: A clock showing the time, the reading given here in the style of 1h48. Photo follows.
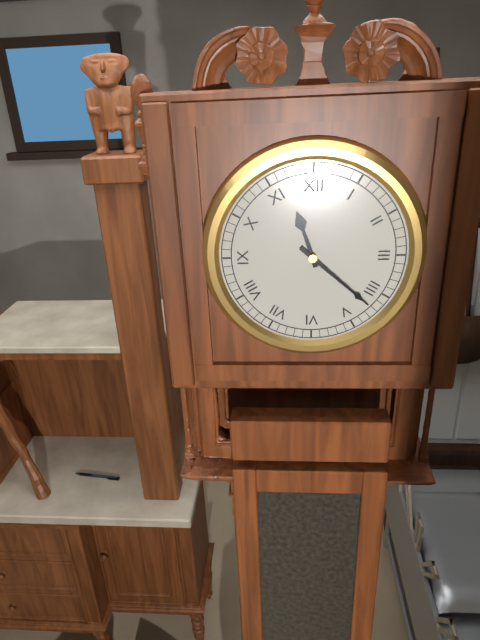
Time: 11h22
